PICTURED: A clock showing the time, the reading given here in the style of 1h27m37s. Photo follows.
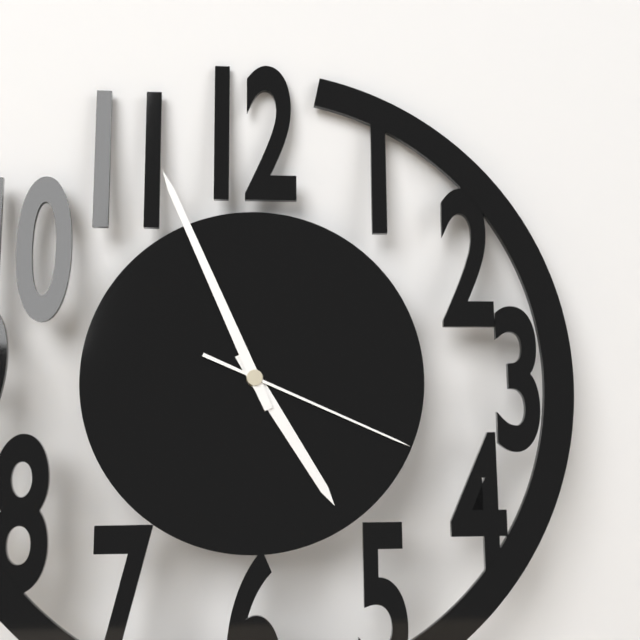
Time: 4h56m19s
